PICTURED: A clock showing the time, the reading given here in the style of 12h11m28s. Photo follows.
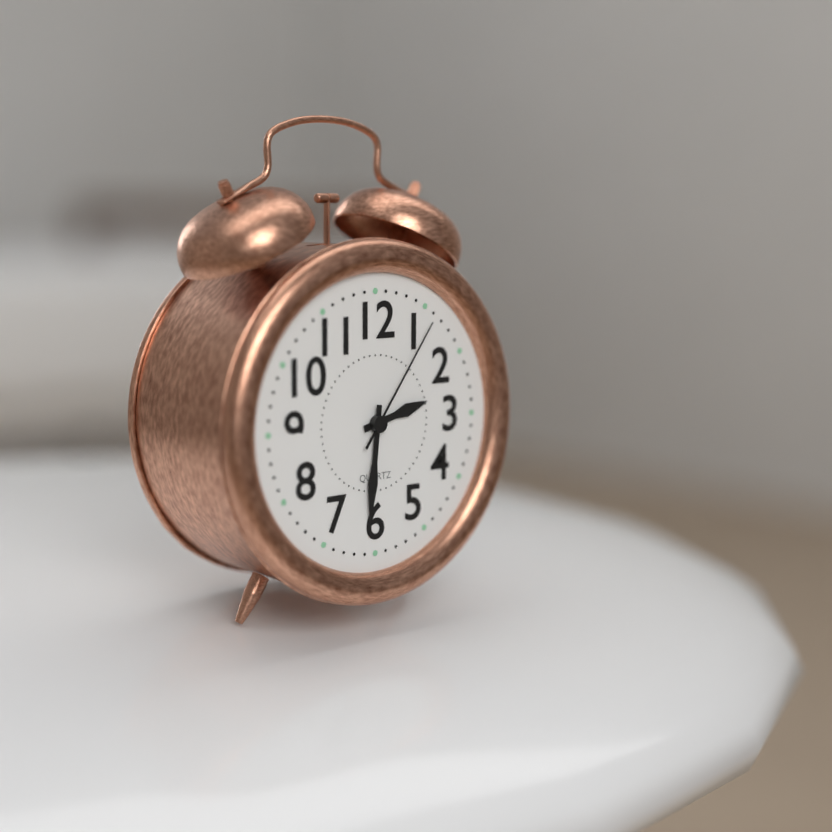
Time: 2h31m06s
